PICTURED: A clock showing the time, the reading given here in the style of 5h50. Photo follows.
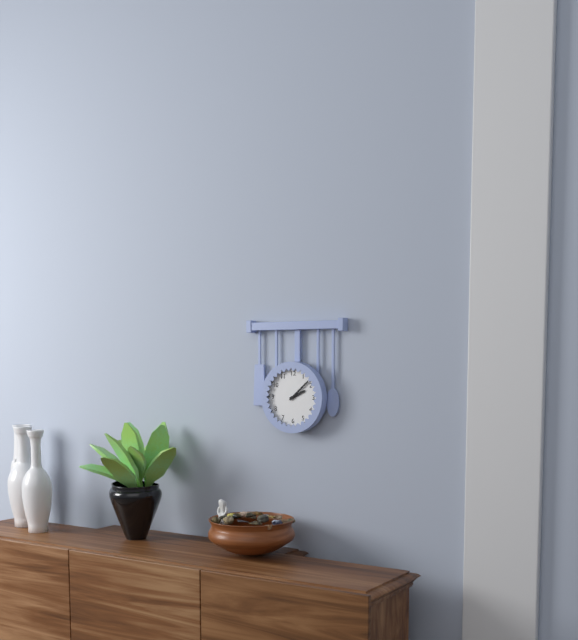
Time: 2h08
